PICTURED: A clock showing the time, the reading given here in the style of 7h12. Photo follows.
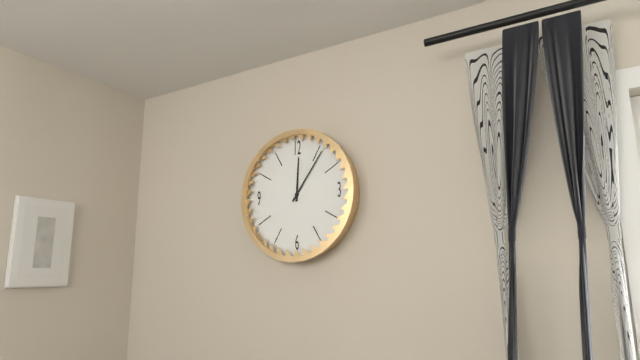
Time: 12h06
